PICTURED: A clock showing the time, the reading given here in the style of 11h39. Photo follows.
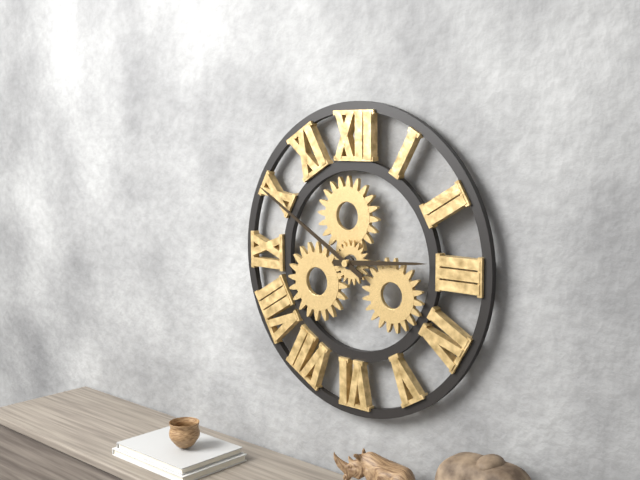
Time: 2h50
